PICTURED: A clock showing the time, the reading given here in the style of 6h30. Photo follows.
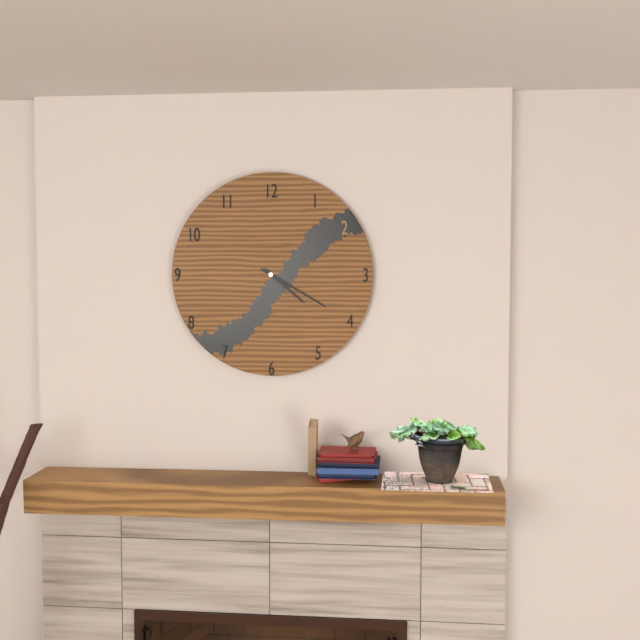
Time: 4h20
